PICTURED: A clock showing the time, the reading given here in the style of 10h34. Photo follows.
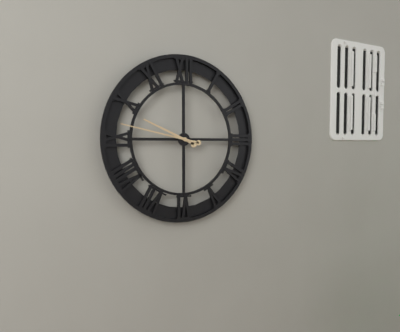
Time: 9h47
